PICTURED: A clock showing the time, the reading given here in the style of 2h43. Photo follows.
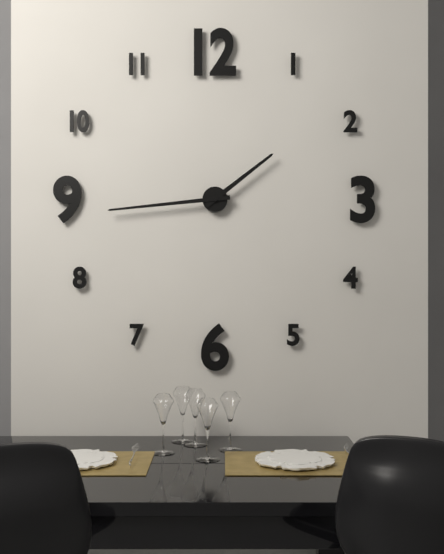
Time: 1h44
